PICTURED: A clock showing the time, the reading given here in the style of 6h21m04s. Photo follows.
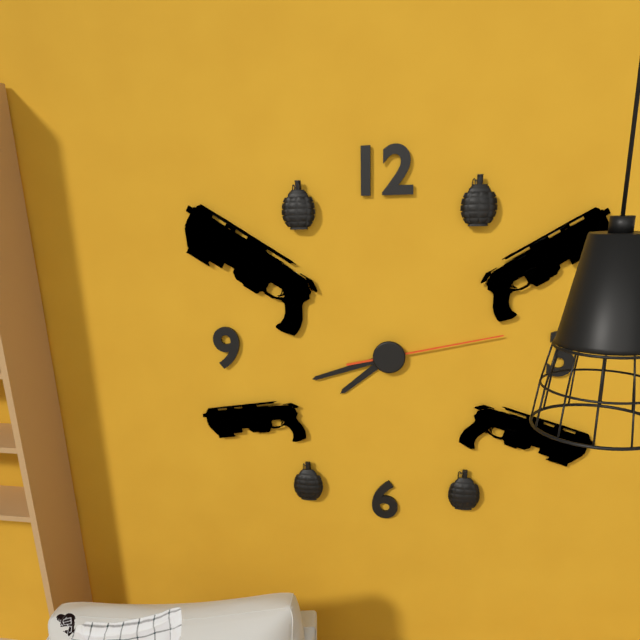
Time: 7h42m13s
